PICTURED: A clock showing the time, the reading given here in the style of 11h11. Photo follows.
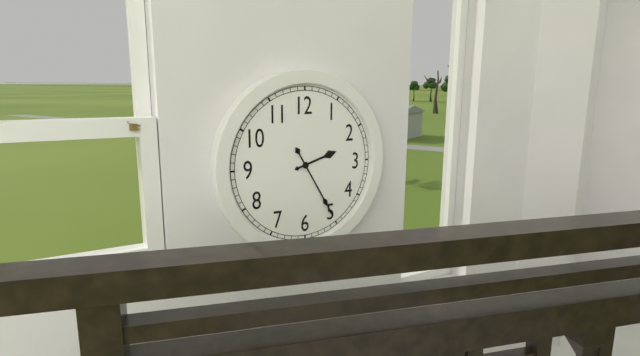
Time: 2h25
